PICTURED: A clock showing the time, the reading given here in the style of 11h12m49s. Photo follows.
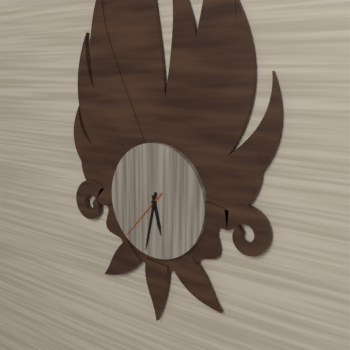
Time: 5h32m37s
